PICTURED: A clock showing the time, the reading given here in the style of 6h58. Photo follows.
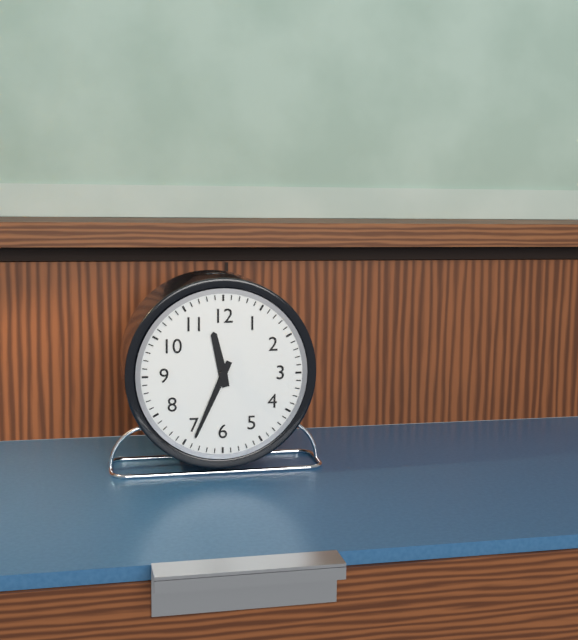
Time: 11h34
